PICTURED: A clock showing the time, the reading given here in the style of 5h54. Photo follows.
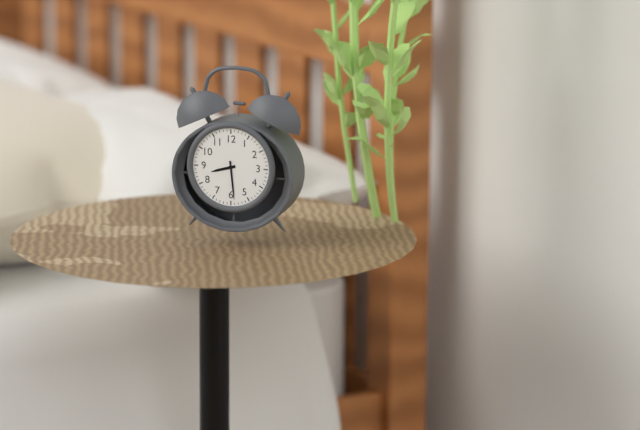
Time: 8h29
